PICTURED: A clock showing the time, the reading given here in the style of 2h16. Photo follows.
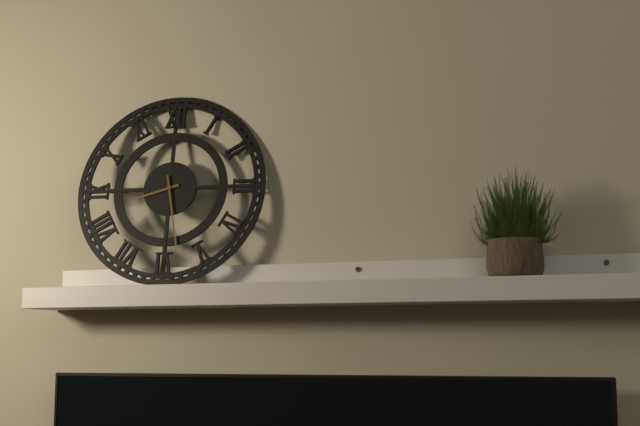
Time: 8h28
